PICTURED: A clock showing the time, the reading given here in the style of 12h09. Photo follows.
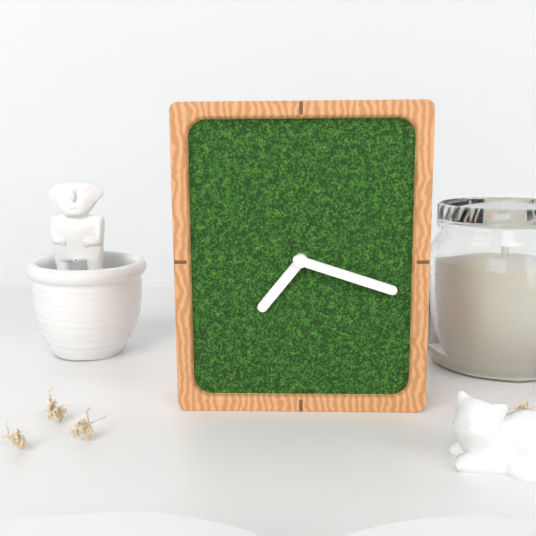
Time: 7h18
